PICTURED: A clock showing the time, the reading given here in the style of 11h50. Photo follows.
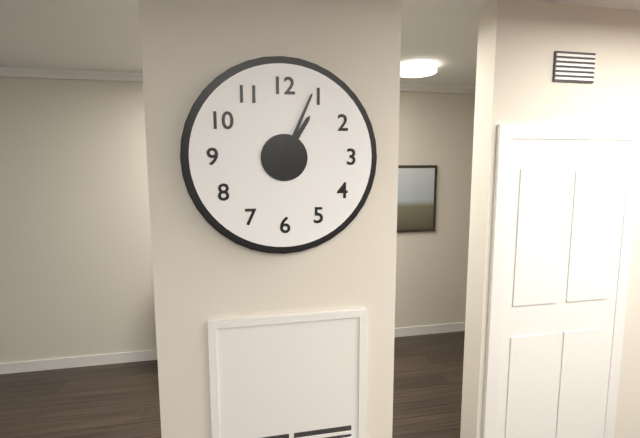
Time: 1h04
